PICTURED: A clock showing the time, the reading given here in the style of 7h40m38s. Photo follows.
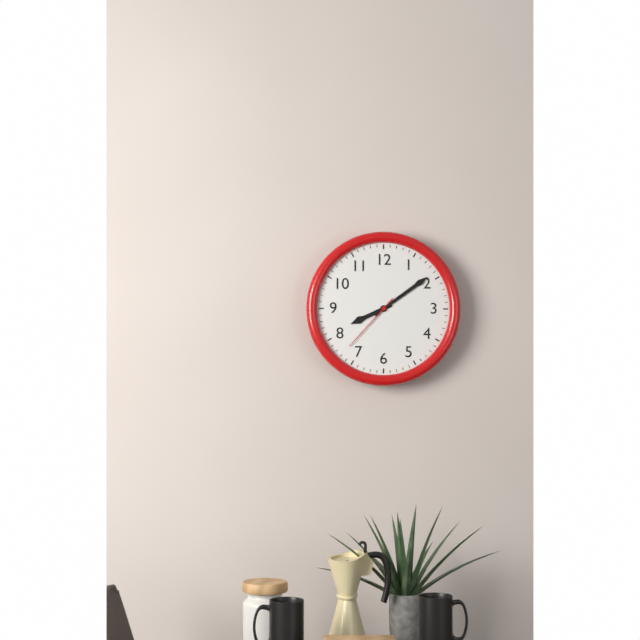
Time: 8h09m37s
